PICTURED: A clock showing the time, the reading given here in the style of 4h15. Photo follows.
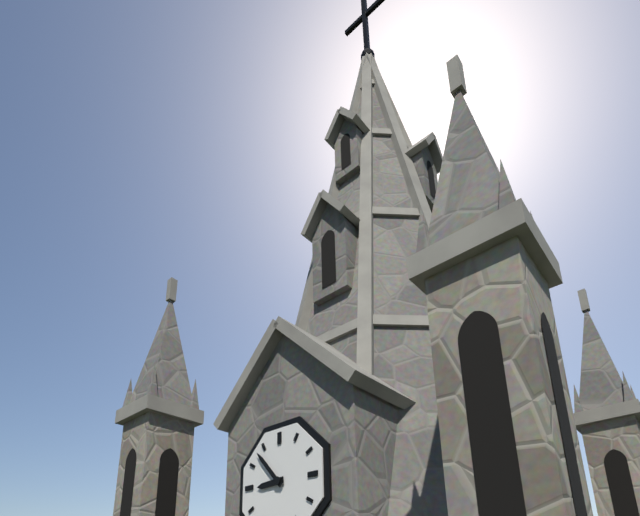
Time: 8h53
